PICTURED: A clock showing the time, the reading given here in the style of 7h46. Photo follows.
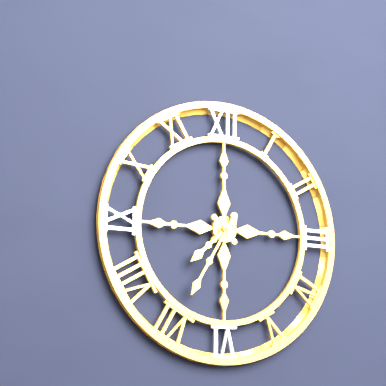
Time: 7h35
